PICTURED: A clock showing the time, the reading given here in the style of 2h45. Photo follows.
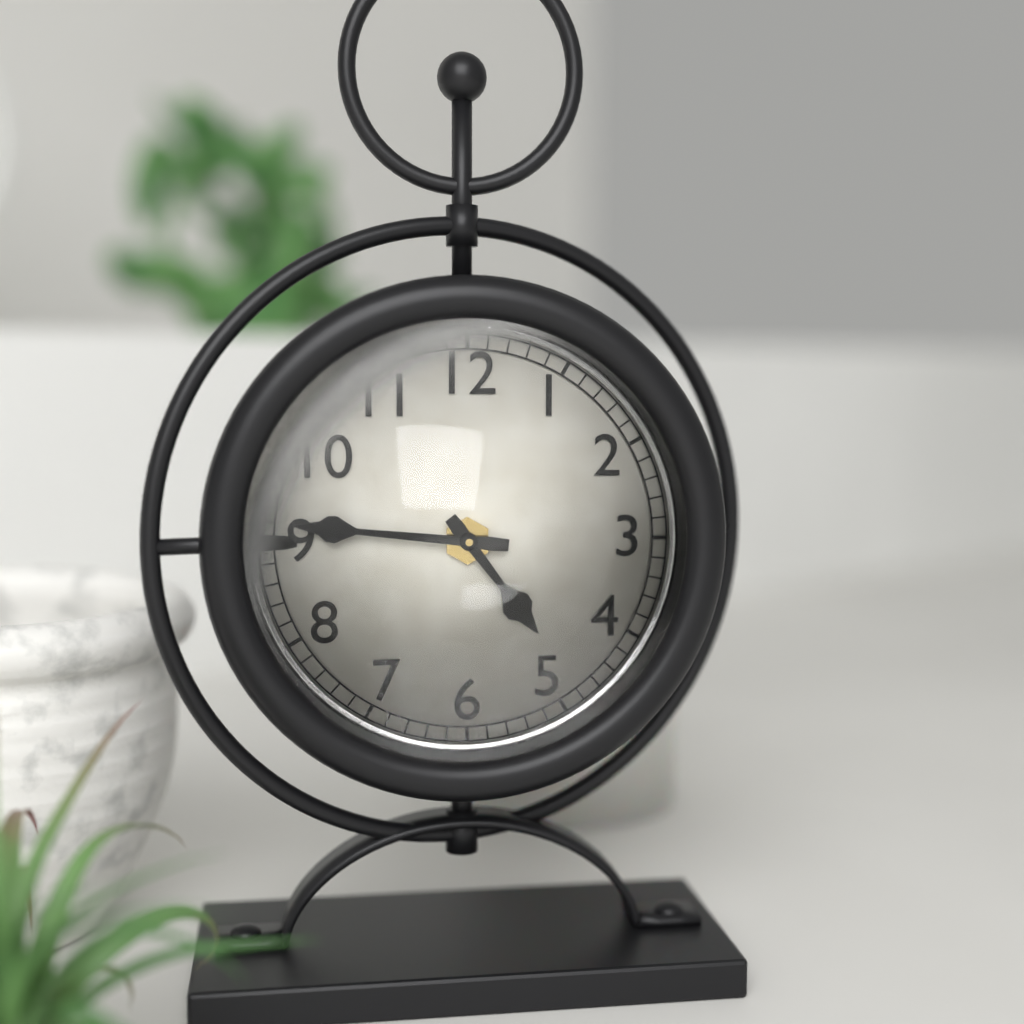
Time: 4h46
